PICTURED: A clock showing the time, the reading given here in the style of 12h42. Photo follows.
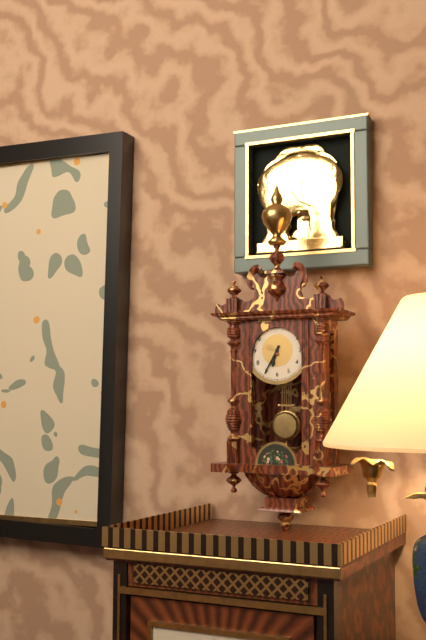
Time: 6h35
